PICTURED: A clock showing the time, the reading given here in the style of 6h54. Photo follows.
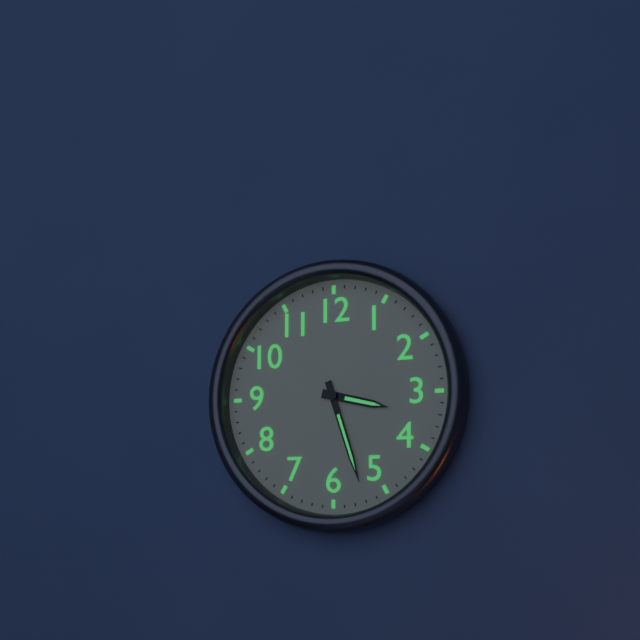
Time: 3h27
